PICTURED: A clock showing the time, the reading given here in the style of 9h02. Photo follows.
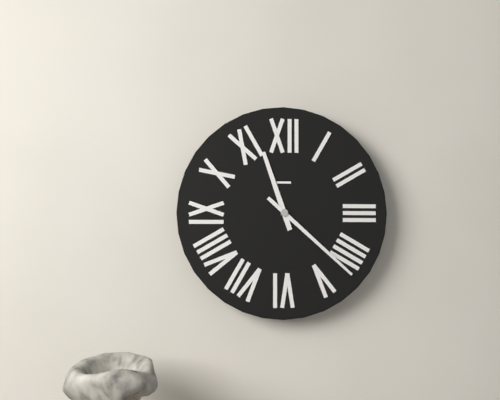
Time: 11h22
